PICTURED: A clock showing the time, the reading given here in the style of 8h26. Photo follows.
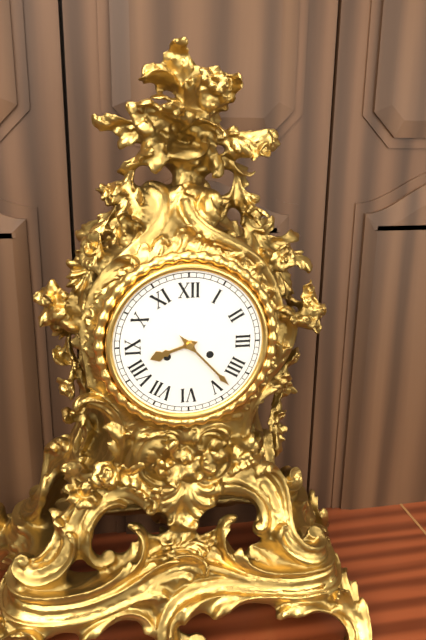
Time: 8h23
